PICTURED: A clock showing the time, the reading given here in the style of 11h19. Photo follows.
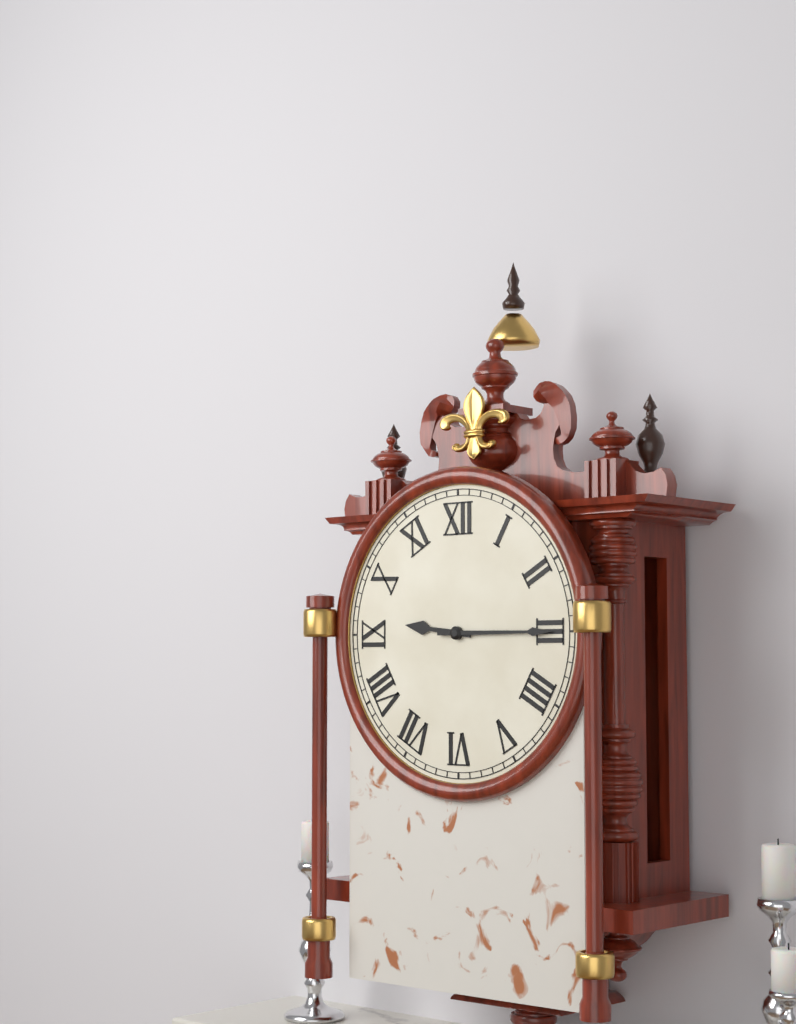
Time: 9h15
